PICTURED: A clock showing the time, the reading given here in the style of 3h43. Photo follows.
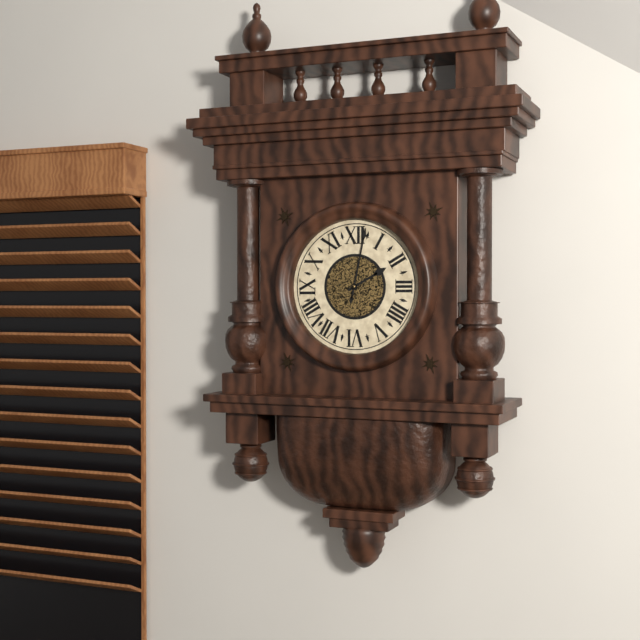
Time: 2h02
